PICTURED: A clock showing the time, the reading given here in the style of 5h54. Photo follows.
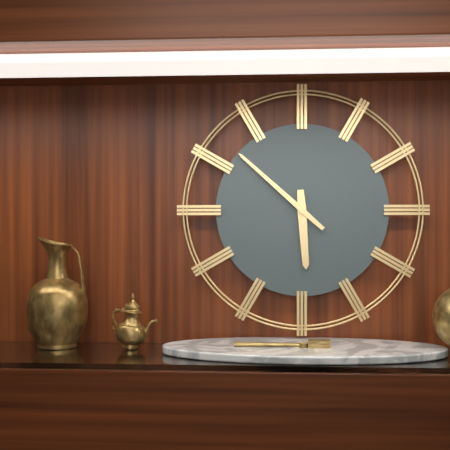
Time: 5h52
